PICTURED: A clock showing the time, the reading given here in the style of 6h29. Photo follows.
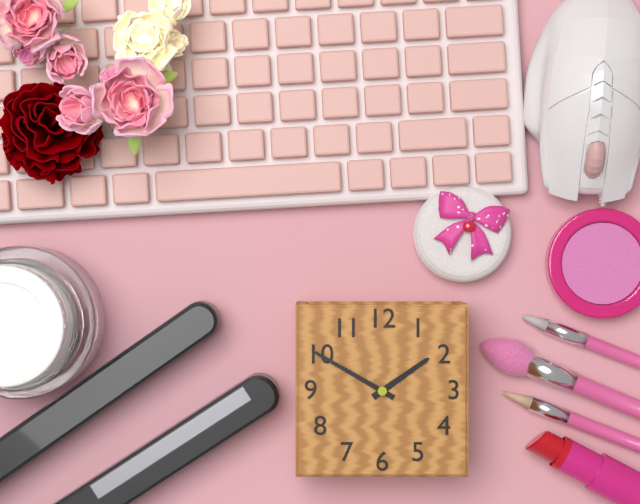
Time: 1h50
